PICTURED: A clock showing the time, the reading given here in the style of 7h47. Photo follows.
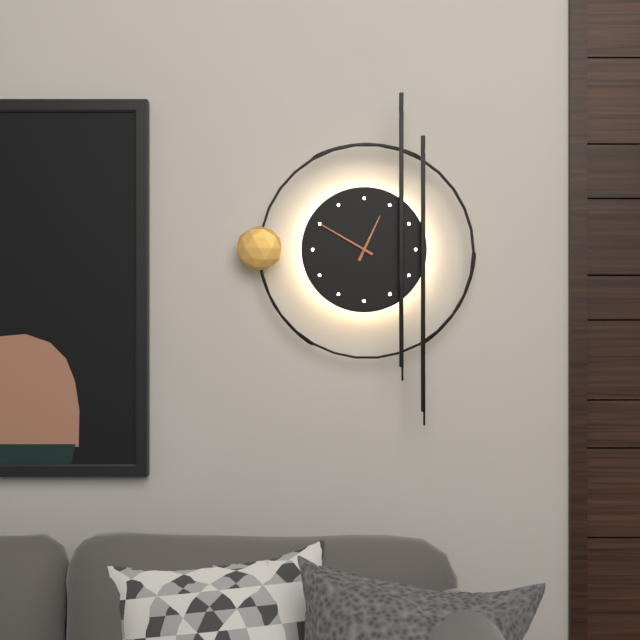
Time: 12h50
